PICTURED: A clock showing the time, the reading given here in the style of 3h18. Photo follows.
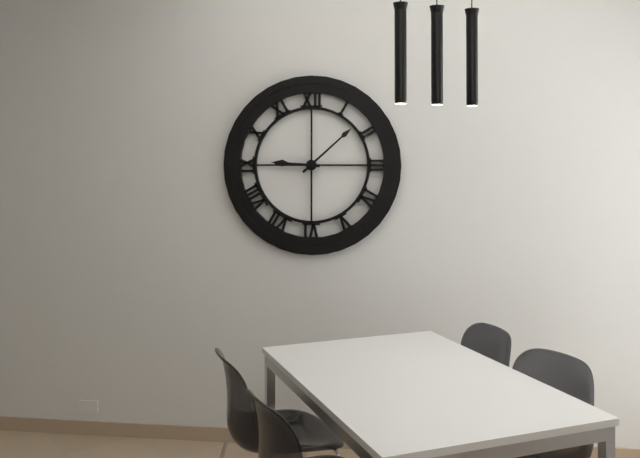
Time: 9h08
